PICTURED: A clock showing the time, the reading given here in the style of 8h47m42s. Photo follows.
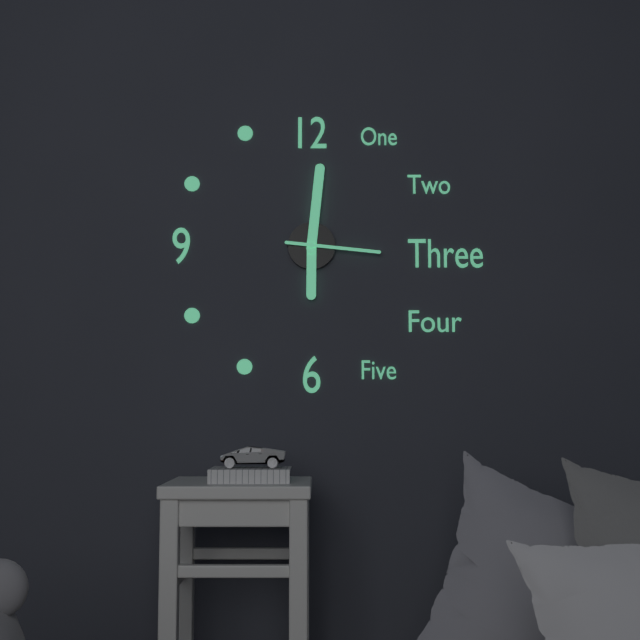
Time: 6h01m16s
